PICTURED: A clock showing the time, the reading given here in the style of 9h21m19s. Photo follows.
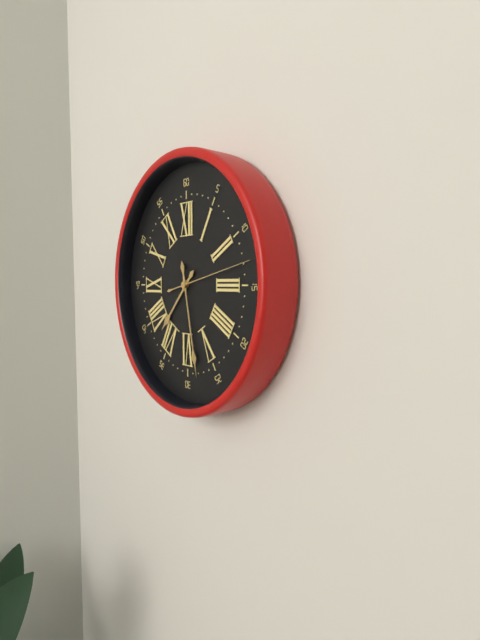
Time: 7h28m13s
